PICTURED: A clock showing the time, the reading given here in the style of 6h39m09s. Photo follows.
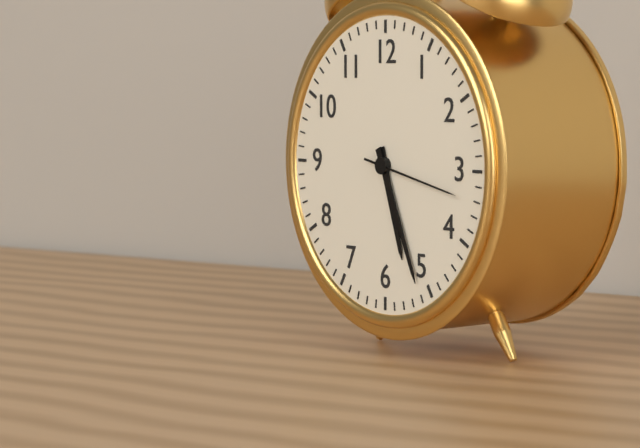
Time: 5h26m17s
